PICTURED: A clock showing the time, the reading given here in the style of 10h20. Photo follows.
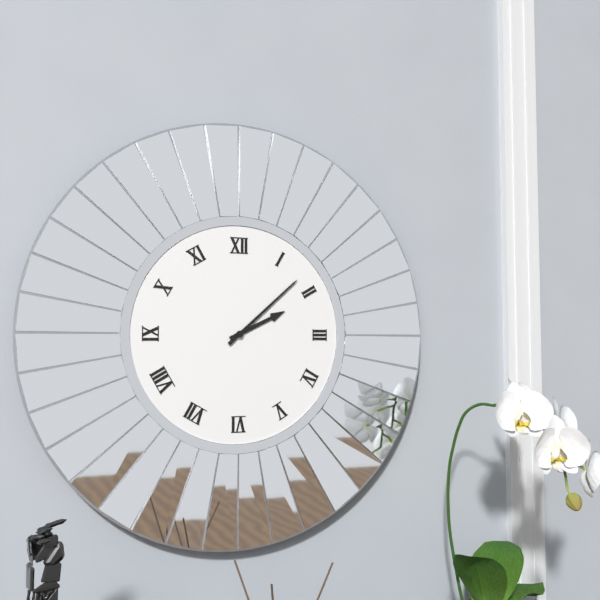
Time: 2h08
